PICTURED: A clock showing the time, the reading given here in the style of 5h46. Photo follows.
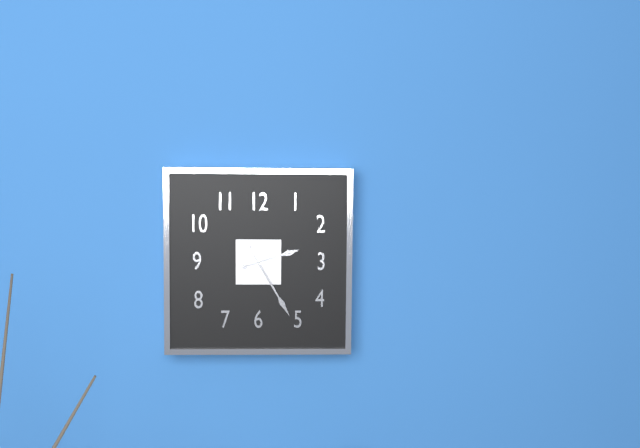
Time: 2h25
